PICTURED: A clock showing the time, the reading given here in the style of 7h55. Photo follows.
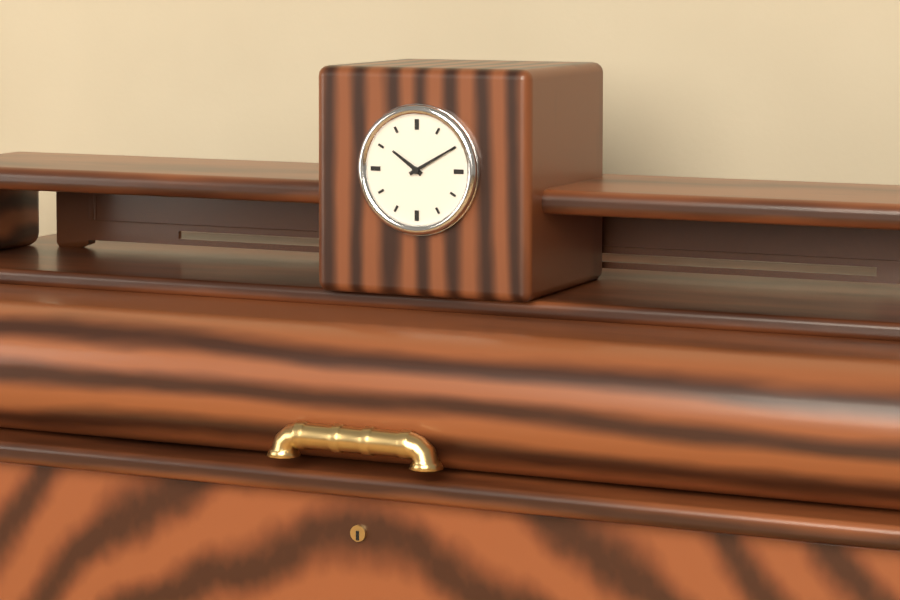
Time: 10h10
